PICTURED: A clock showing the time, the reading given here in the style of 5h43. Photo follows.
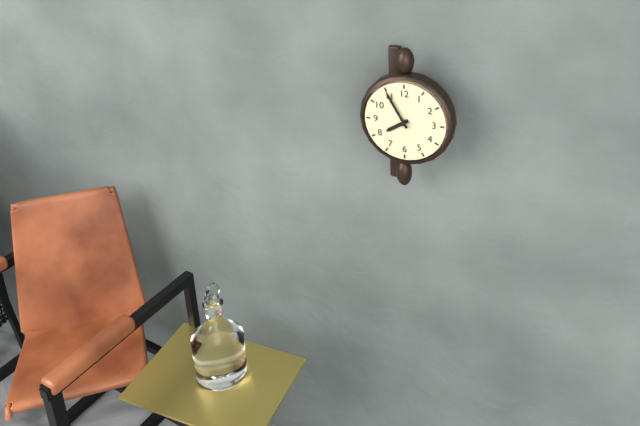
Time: 7h55
